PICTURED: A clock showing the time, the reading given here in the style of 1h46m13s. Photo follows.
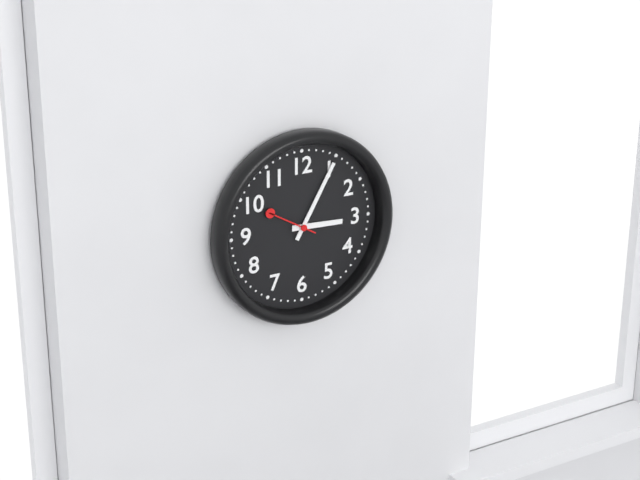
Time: 3h05m50s
